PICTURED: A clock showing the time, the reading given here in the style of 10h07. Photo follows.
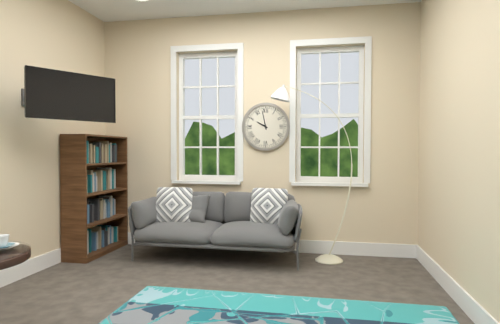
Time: 9h58
